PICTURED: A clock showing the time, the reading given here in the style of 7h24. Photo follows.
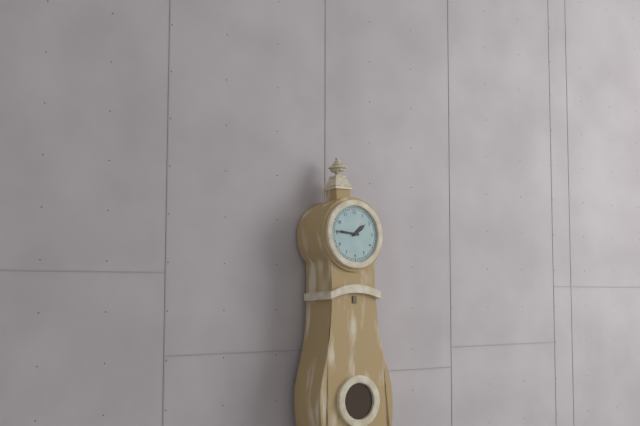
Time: 1h46
